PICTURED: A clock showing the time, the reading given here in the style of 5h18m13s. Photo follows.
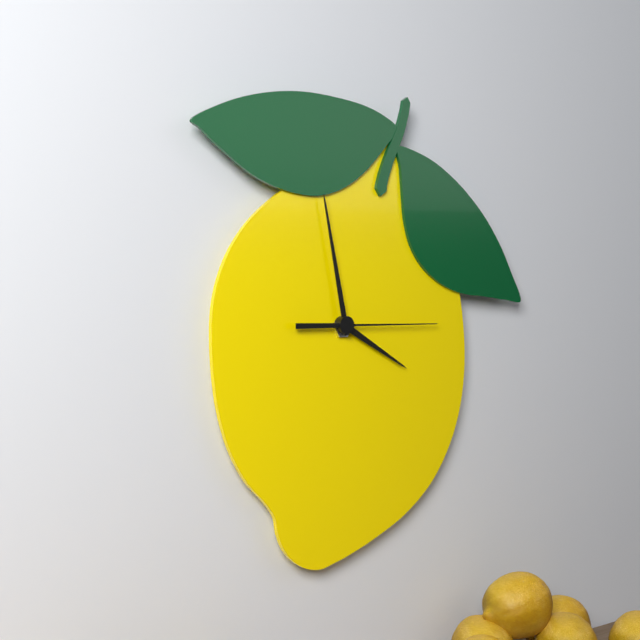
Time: 3h58m15s
